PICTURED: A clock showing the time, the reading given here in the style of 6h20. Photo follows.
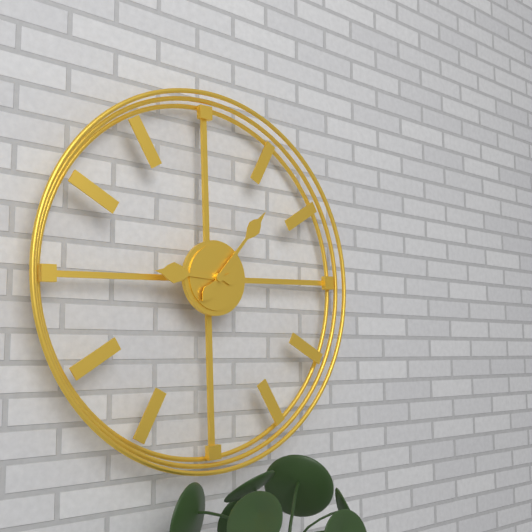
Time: 9h07
